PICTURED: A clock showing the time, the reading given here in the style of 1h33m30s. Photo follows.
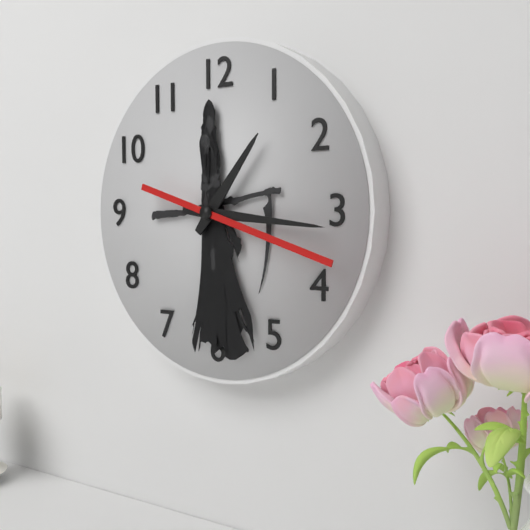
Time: 1h16m18s
